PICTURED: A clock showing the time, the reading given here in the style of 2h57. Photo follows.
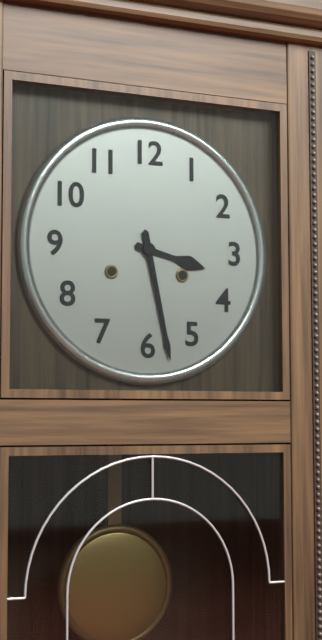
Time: 3h28
